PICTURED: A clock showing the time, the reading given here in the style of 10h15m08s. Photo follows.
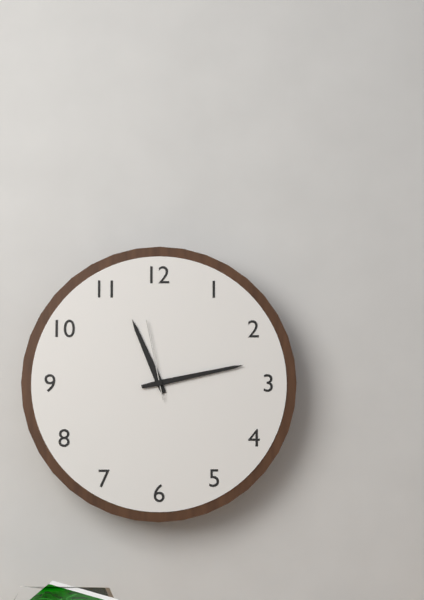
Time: 11h13m58s
